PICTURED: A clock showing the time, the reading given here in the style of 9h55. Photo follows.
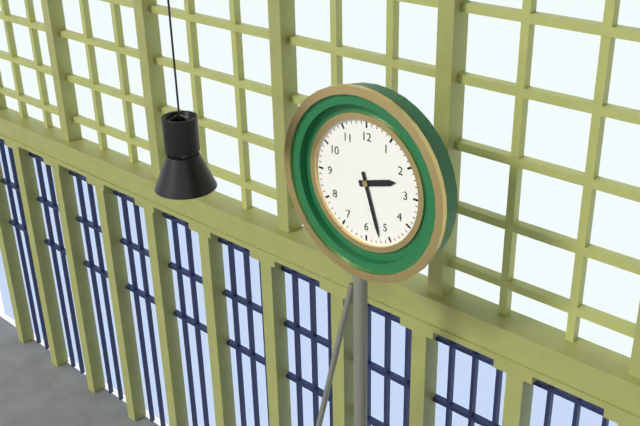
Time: 2h27
